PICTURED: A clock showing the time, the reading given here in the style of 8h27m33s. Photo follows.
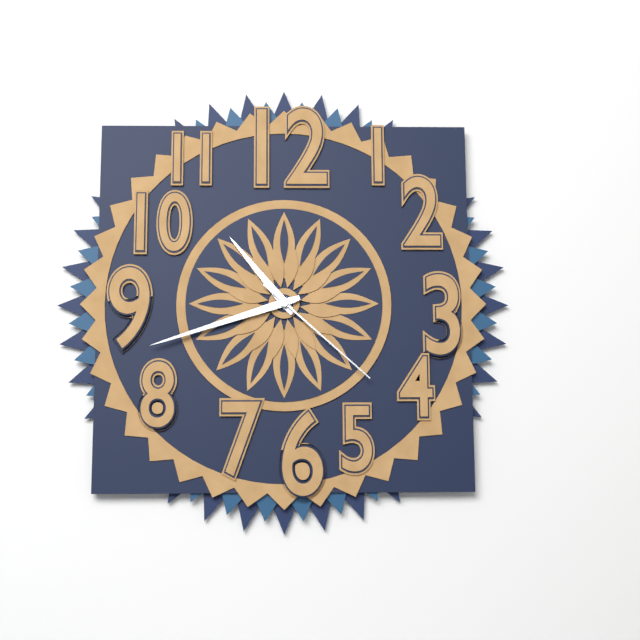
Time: 10h42m22s
